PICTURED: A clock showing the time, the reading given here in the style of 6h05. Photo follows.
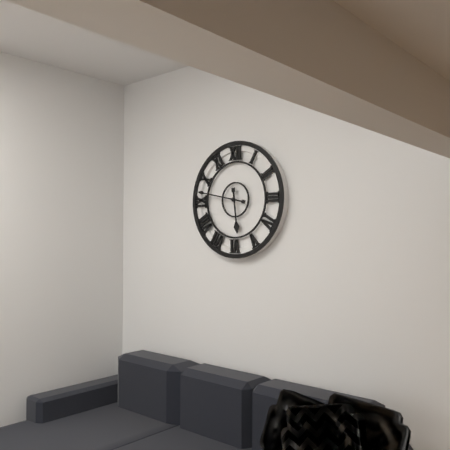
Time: 5h47
